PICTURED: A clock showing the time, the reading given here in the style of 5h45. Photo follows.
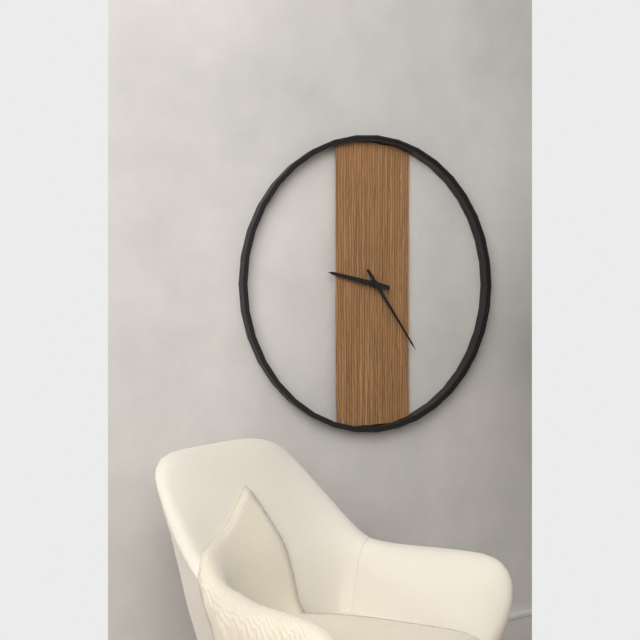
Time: 9h24
